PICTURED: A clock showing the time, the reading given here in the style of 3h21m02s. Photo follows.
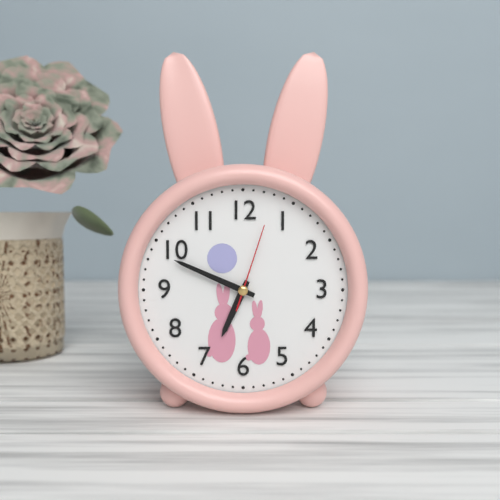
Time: 6h49m03s
